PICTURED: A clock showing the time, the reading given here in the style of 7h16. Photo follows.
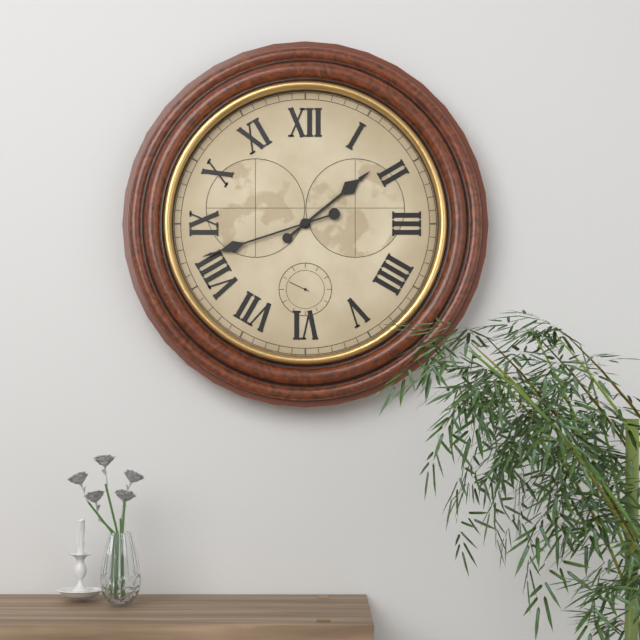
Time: 1h42
